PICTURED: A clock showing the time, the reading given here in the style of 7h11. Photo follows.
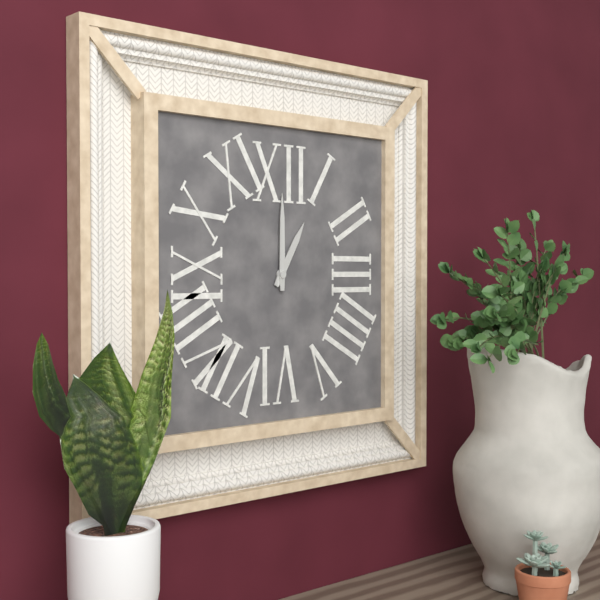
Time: 1h00
